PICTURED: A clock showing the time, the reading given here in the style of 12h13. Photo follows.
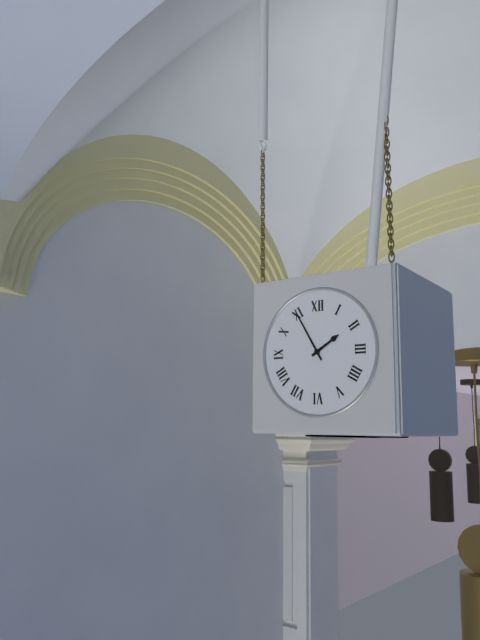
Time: 1h55
